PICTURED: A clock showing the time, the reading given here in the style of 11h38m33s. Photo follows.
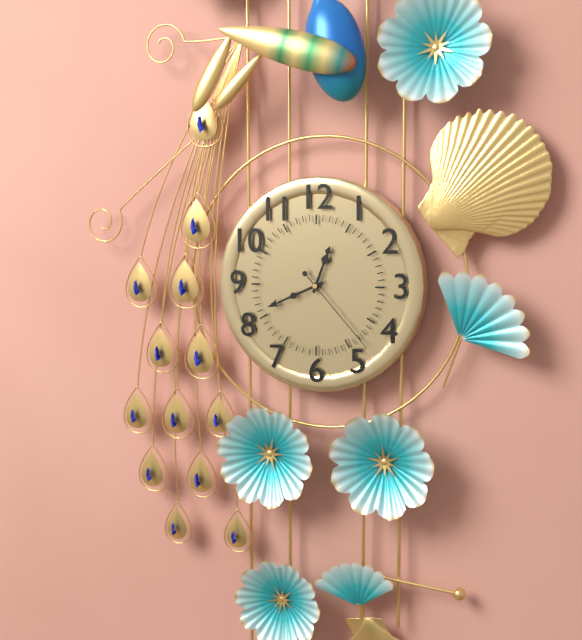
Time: 12h41m23s
